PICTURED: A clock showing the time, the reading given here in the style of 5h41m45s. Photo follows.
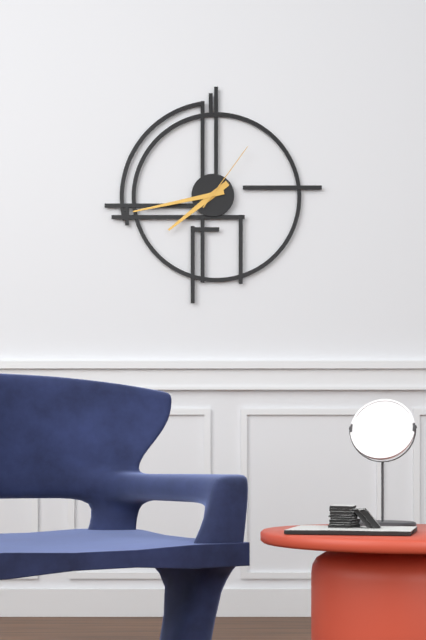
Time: 7h43m06s
